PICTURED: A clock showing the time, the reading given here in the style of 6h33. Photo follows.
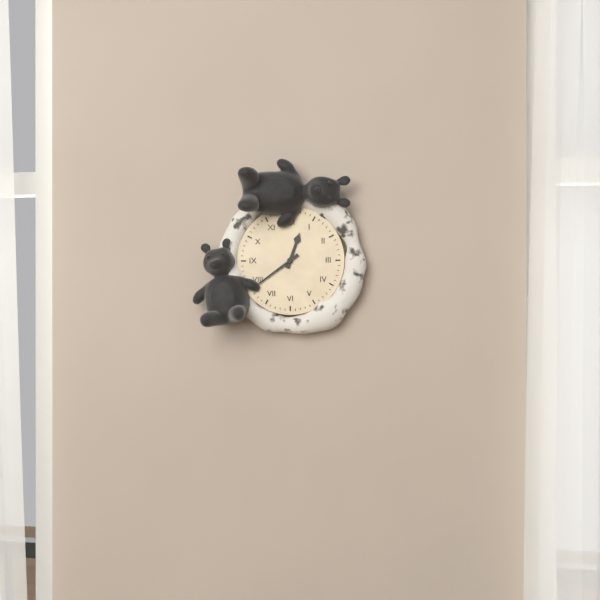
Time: 12h39
